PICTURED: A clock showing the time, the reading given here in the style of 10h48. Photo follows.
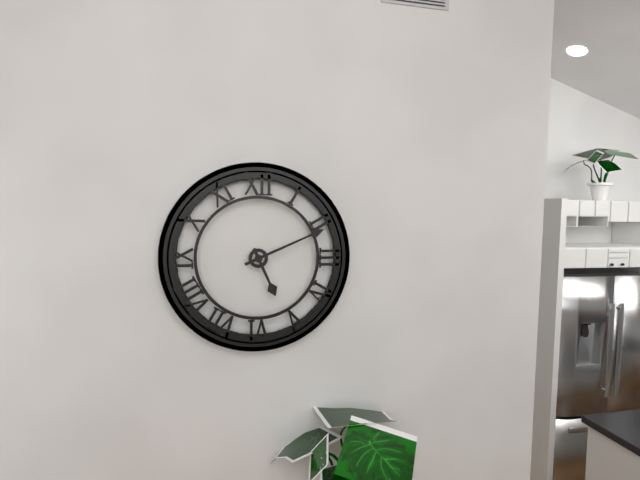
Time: 5h11
